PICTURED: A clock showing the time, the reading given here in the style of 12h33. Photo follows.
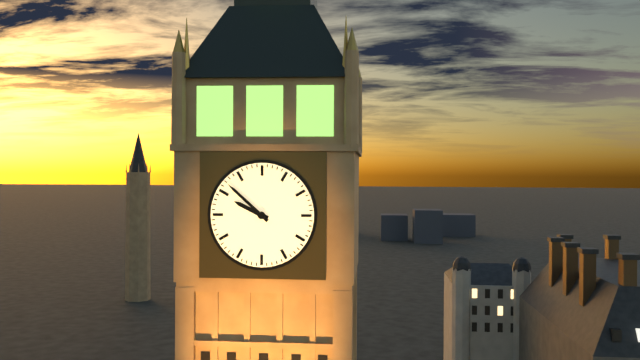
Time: 9h52
